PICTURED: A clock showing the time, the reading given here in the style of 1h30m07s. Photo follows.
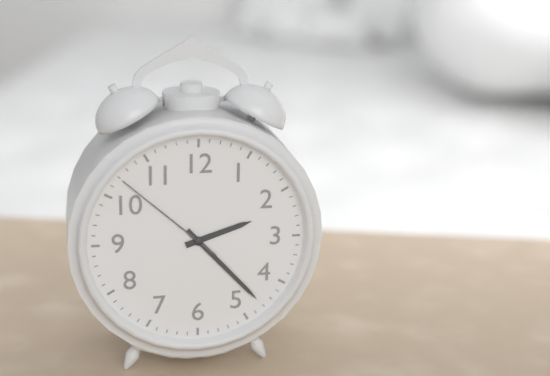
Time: 2h23m52s
